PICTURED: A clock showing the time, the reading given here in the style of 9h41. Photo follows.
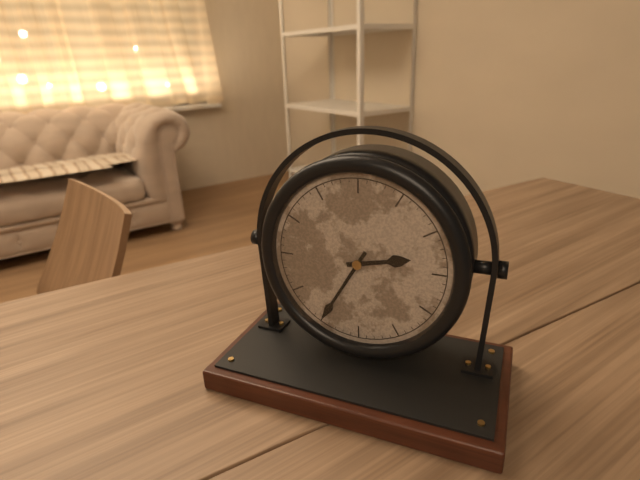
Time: 2h35
